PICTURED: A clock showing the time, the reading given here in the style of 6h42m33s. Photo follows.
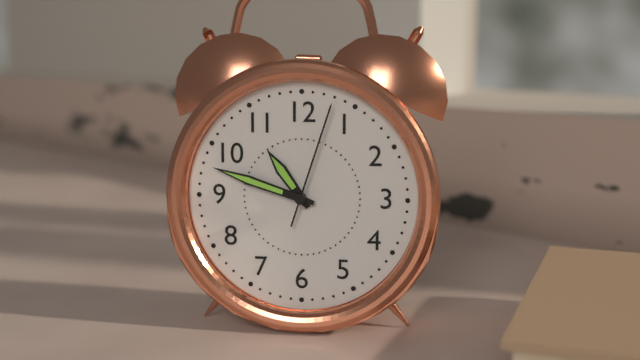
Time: 10h48m03s
